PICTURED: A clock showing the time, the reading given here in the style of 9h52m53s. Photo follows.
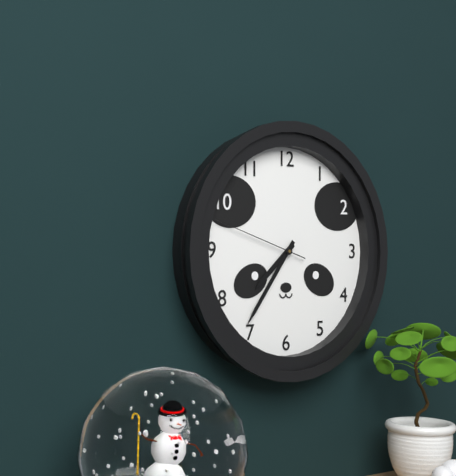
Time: 7h36m48s
